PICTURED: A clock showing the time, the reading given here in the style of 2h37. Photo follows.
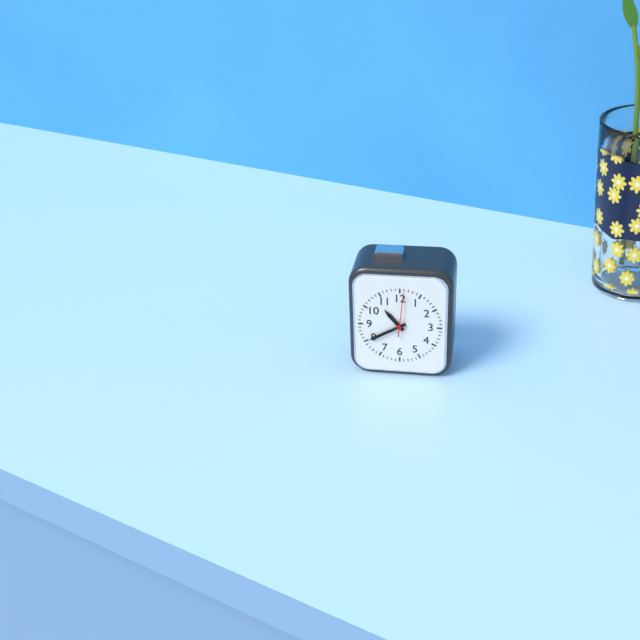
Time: 10h40
